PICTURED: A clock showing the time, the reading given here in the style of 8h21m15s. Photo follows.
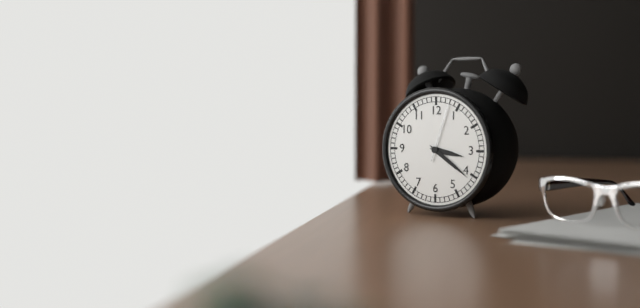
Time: 3h21m03s
